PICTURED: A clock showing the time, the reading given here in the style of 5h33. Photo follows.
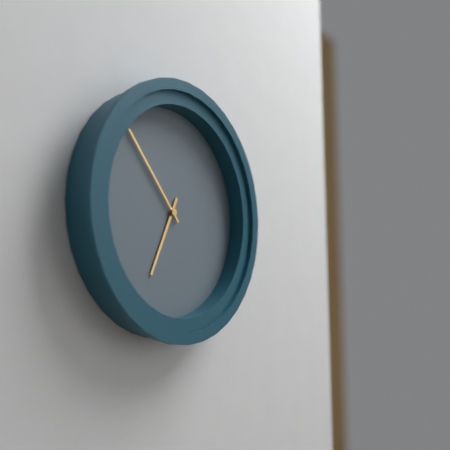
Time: 6h53
